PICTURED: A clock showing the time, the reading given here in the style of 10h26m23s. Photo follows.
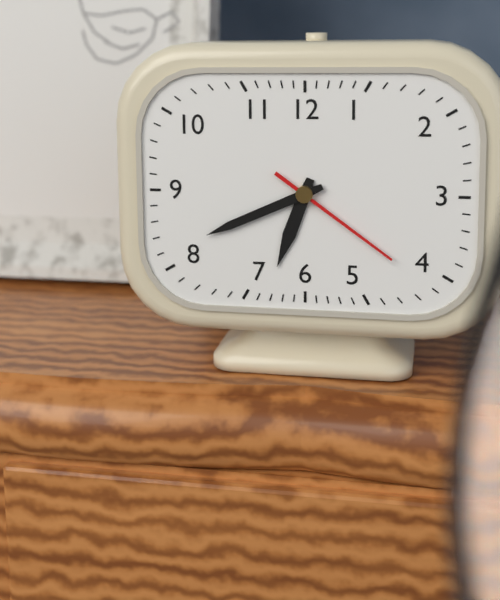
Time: 6h41m21s
